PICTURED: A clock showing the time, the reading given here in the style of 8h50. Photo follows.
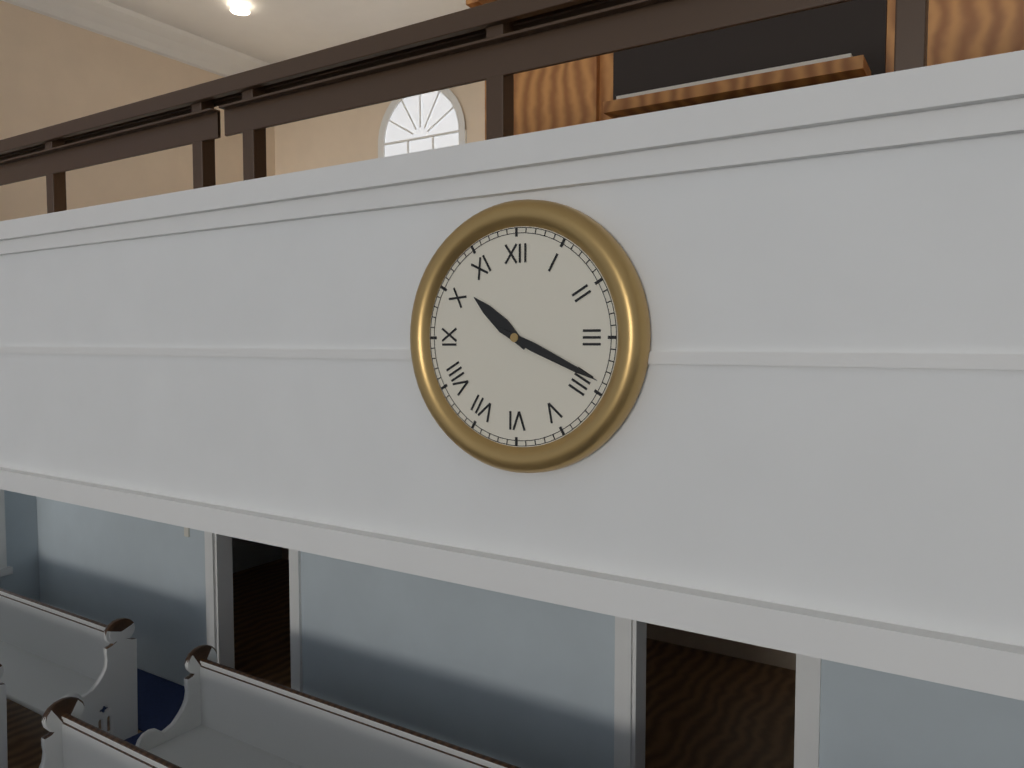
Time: 10h19
